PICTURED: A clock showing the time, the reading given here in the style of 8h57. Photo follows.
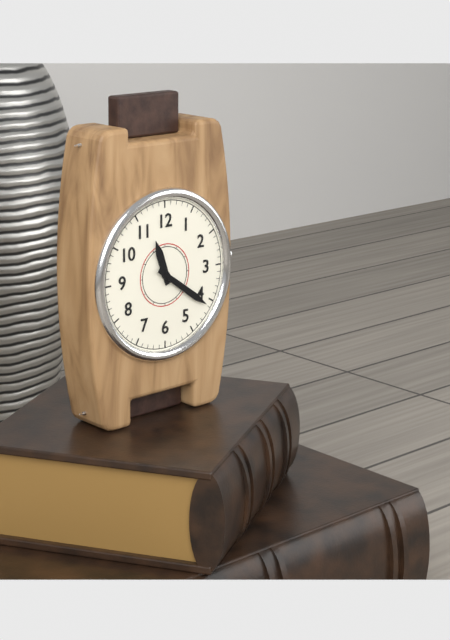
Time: 11h21
